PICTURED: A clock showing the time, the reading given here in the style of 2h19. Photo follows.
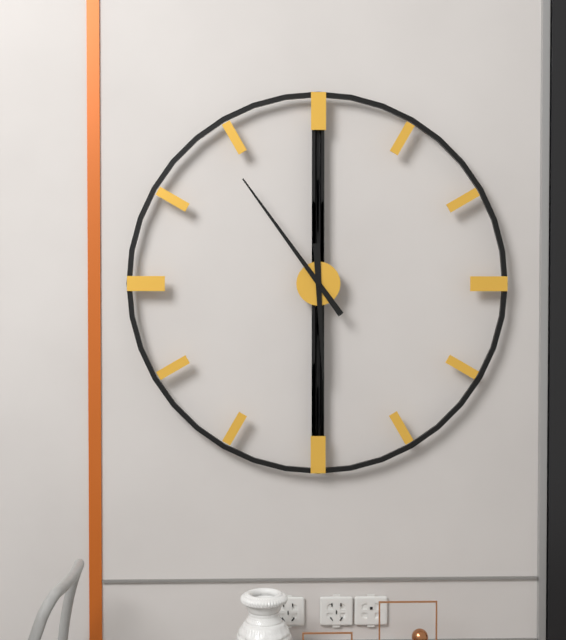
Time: 5h54
